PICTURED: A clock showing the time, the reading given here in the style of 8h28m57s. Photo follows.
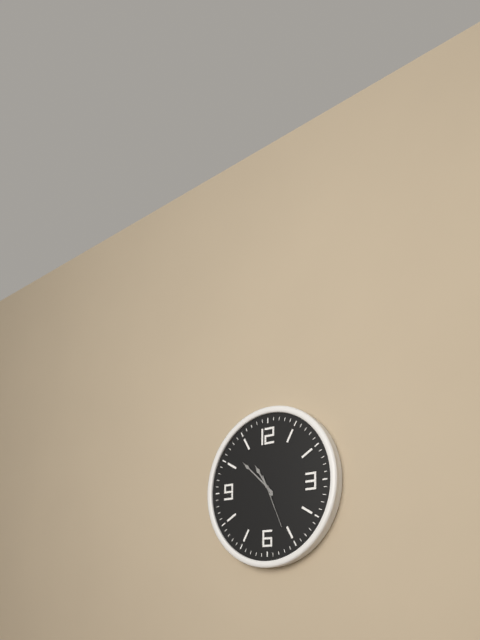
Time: 10h52m26s
